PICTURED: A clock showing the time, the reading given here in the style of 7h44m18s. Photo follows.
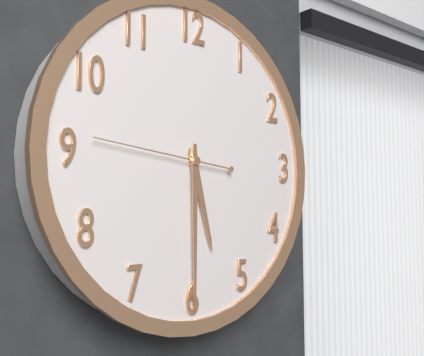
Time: 5h30m46s
